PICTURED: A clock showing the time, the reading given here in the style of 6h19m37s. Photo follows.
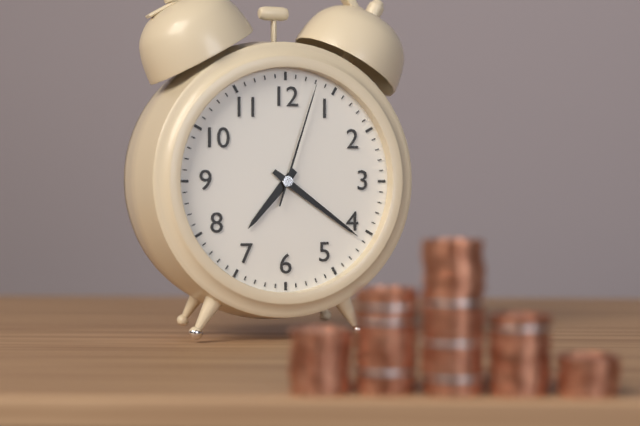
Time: 7h21m03s
